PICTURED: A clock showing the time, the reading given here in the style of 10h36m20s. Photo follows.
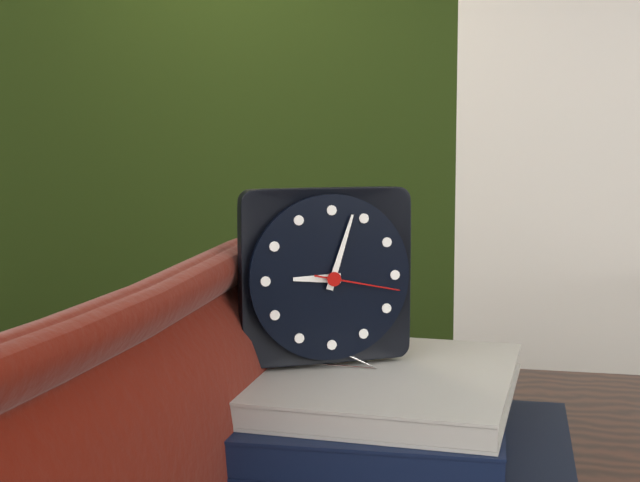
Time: 9h03m17s
